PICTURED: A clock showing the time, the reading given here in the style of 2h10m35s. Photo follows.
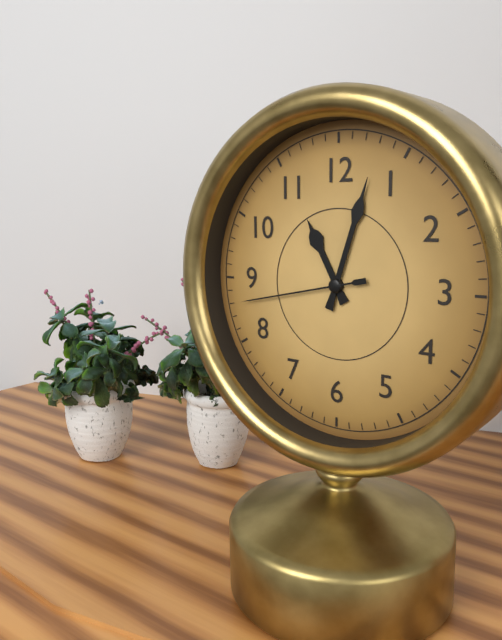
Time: 11h03m43s
